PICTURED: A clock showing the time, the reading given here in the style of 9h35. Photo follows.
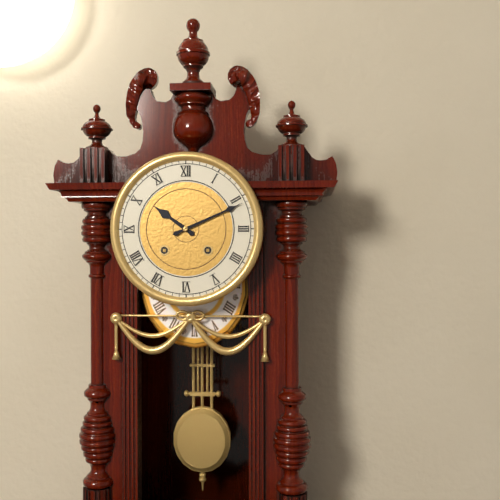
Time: 10h11
